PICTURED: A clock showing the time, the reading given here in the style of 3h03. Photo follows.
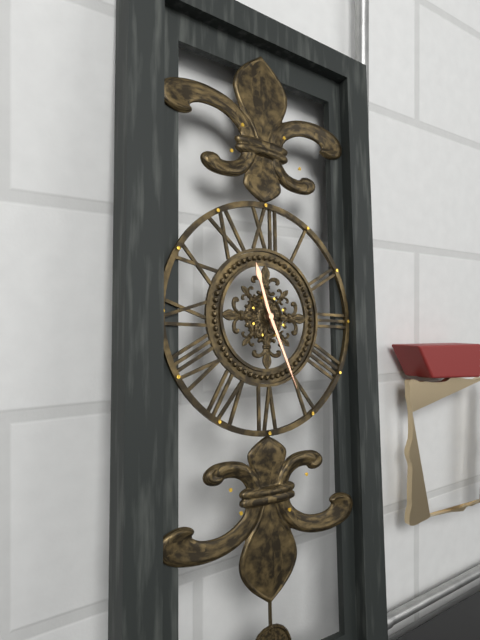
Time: 11h26
